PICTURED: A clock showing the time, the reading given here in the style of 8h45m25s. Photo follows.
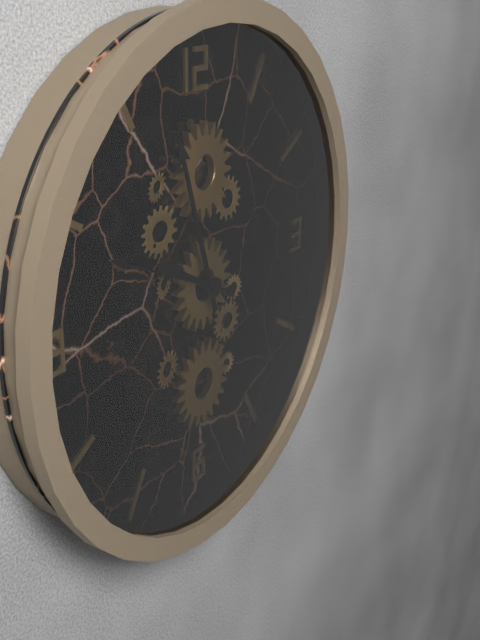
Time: 9h57m49s
